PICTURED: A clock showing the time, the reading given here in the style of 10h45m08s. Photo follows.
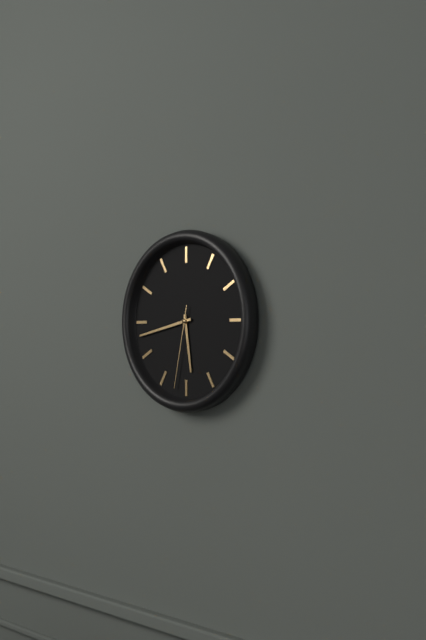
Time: 5h43m32s
